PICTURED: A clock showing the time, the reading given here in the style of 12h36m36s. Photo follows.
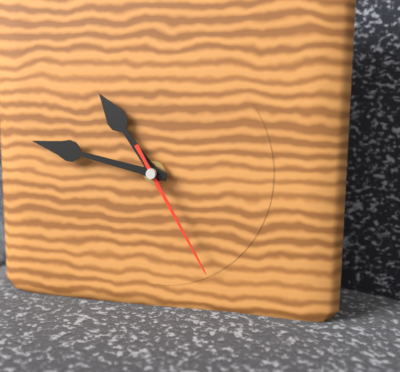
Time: 10h47m25s
